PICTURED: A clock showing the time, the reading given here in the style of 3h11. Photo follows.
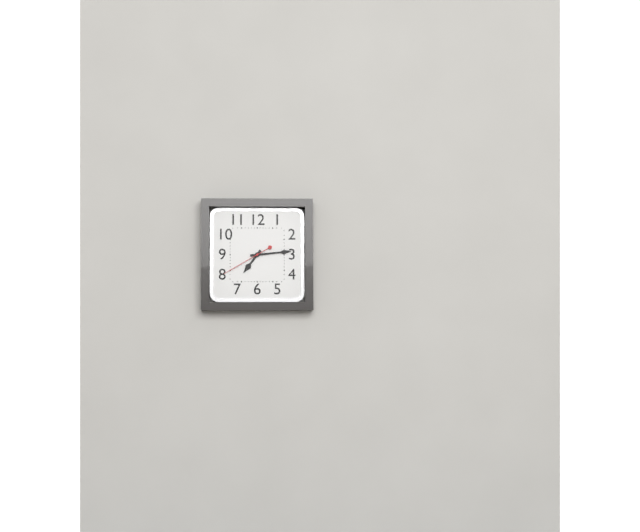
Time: 7h14
